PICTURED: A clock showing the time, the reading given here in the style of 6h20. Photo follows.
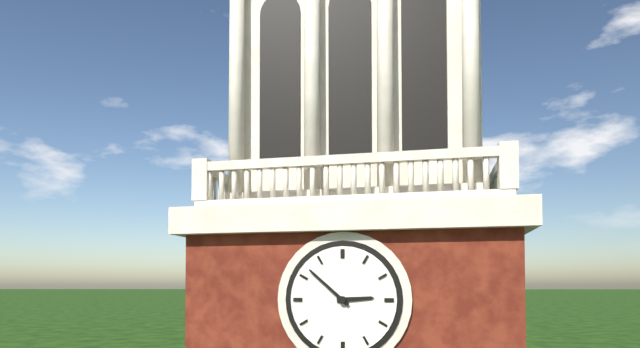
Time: 2h52
